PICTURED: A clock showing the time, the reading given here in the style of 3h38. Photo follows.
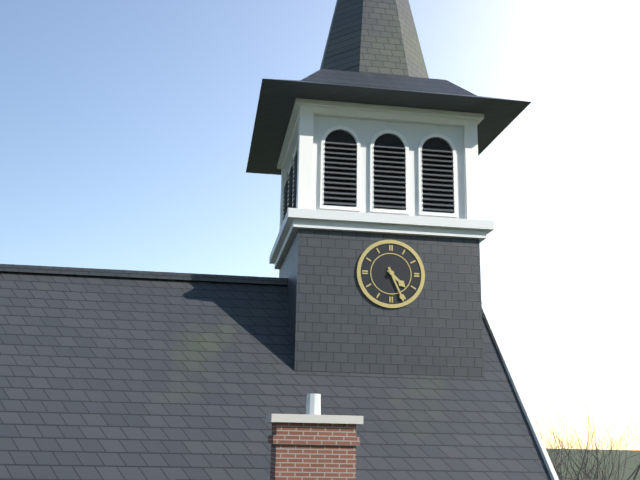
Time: 4h26
